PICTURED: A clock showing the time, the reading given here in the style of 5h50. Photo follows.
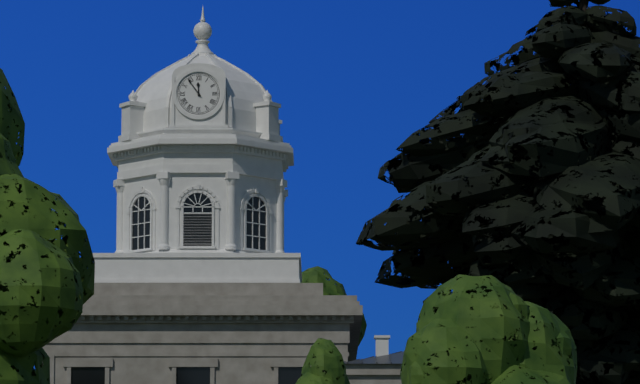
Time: 11h54
